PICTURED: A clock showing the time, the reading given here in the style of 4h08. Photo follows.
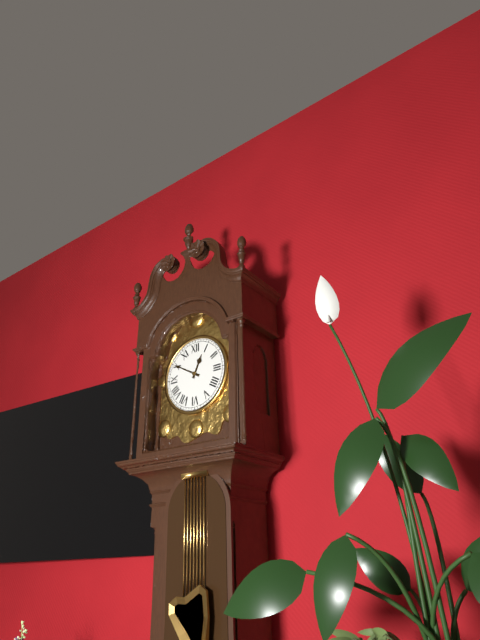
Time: 12h50
